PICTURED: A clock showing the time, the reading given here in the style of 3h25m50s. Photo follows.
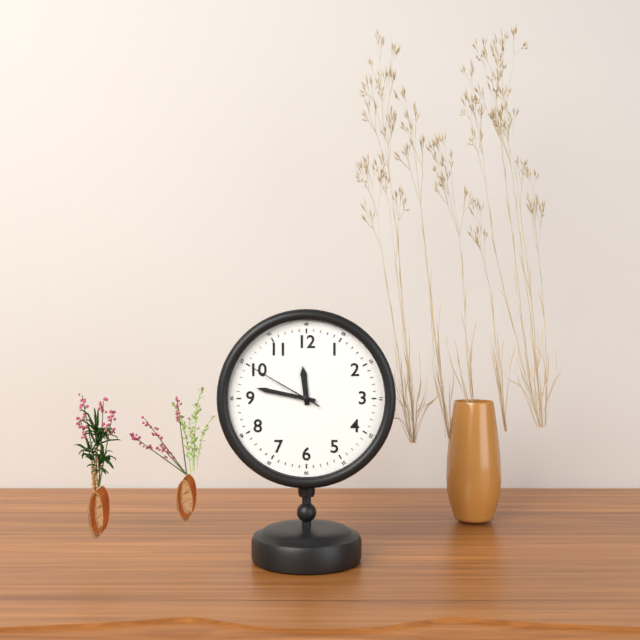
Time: 11h47m50s
